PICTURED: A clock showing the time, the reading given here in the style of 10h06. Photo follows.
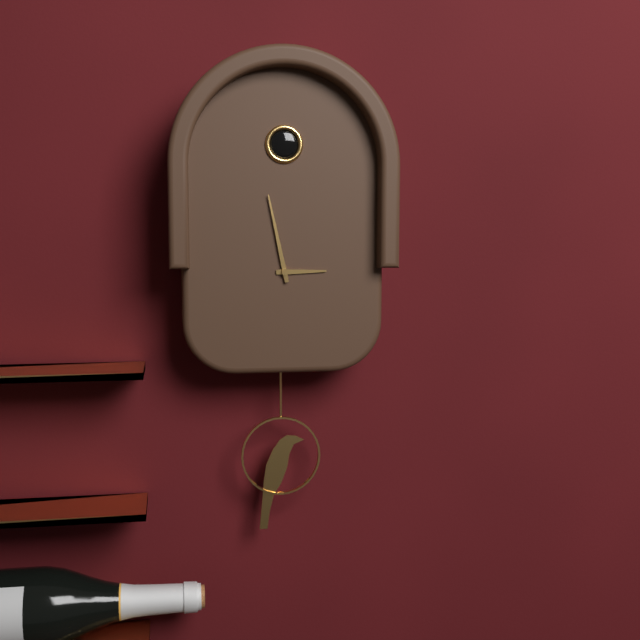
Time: 2h58
